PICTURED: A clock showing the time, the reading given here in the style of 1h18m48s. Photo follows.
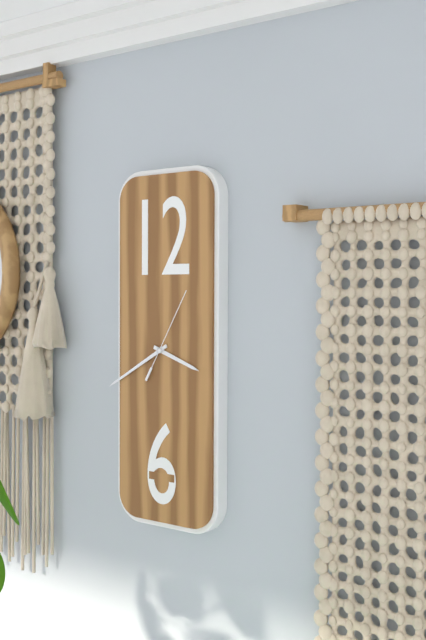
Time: 3h40m05s
